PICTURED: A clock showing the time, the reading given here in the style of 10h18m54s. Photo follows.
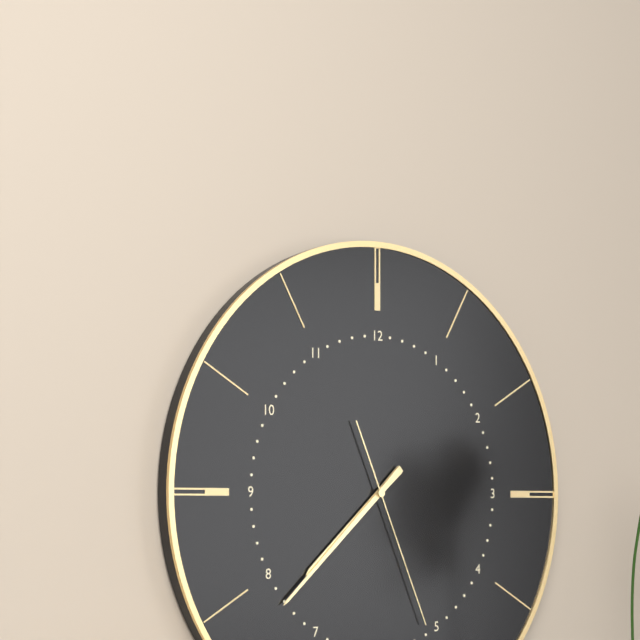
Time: 7h38m26s
